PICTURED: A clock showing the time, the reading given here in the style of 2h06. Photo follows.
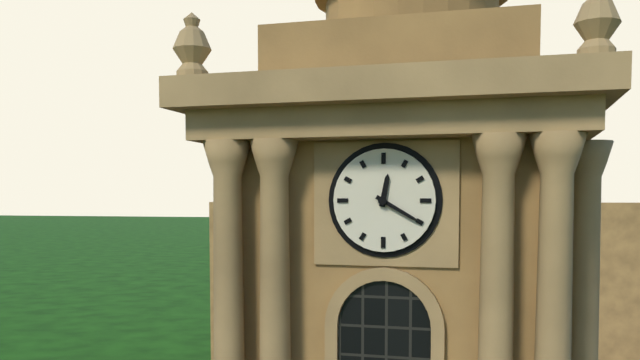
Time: 12h20
